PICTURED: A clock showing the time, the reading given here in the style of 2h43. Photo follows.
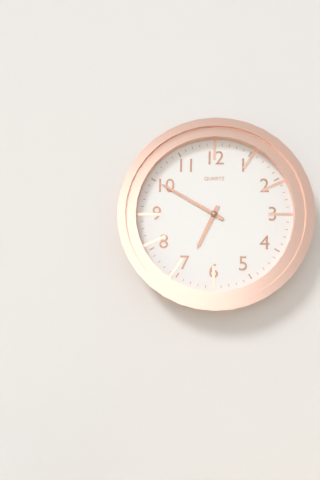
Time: 6h50
